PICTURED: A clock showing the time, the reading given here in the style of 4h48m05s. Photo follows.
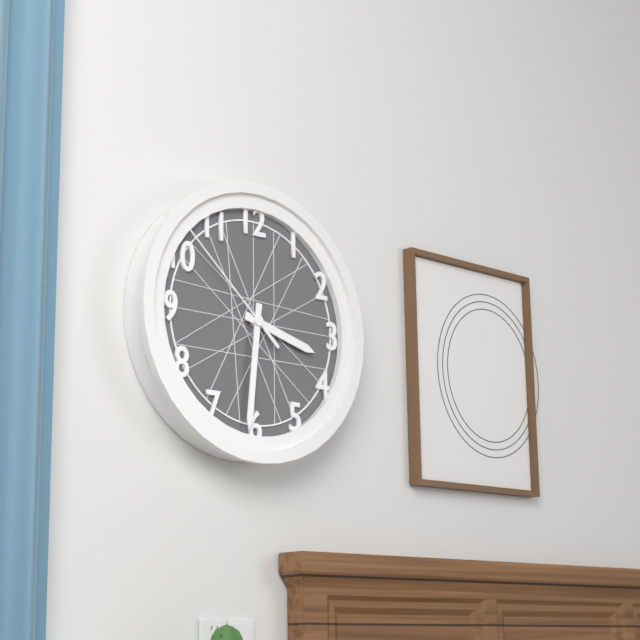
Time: 3h31m52s
